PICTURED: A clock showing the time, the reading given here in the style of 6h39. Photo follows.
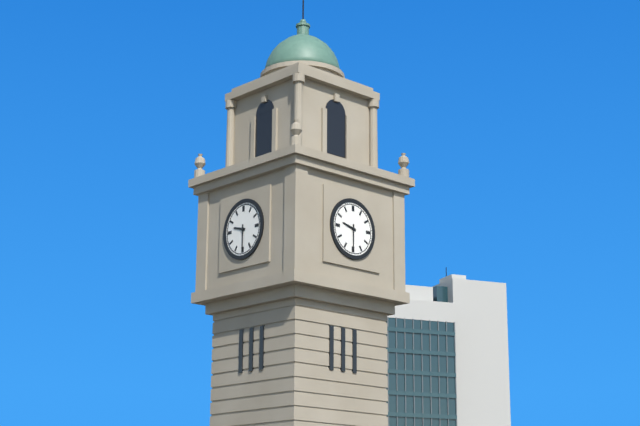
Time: 9h30
